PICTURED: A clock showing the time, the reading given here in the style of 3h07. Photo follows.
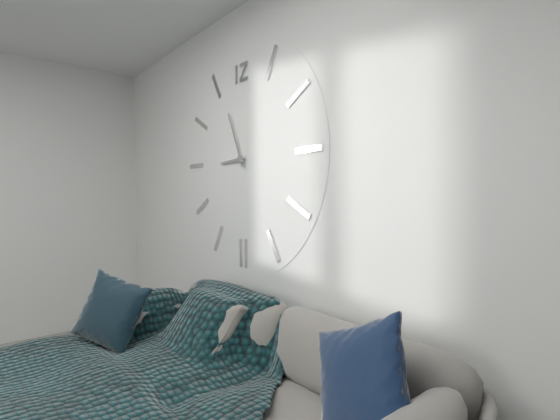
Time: 8h56
